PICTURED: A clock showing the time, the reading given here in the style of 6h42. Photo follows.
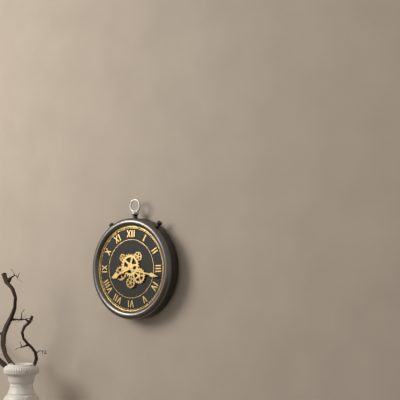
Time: 8h17
